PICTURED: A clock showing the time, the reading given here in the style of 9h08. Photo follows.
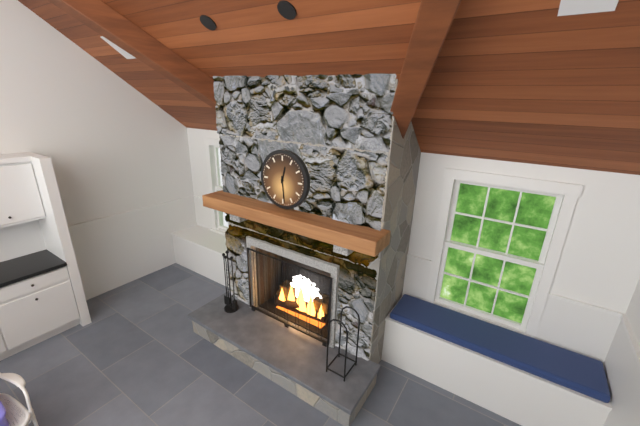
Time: 12h29
